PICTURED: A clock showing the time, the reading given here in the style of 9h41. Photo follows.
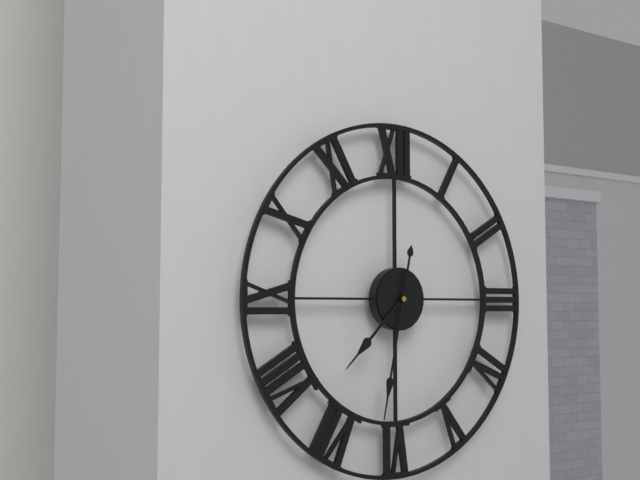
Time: 7h32
